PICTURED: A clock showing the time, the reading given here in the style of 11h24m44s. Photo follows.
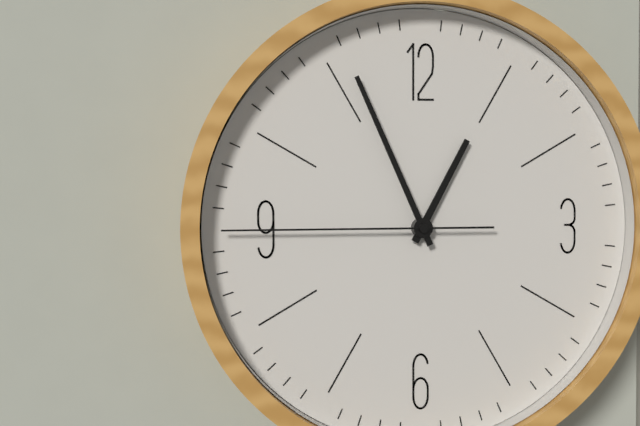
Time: 12h56m45s
